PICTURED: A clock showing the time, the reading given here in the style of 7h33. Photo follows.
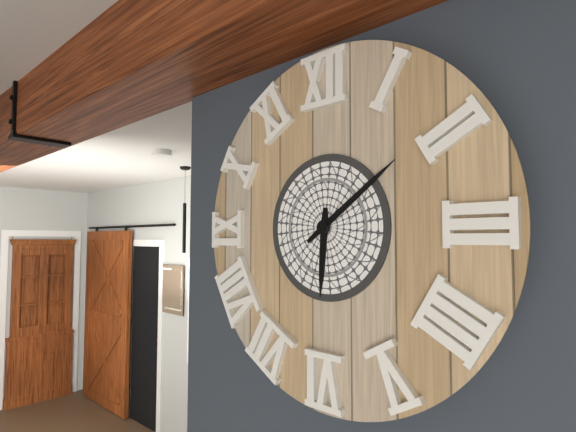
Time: 6h09
